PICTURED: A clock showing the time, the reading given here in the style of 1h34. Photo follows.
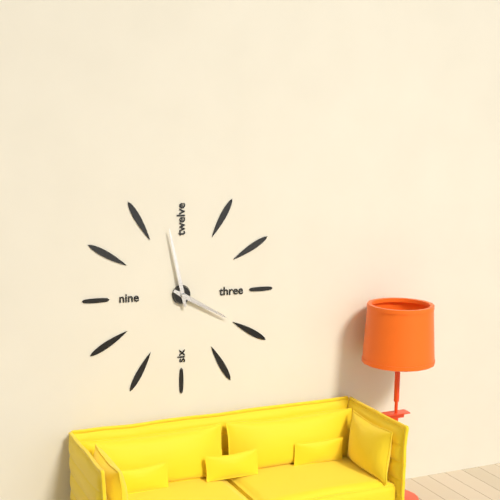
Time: 3h58
